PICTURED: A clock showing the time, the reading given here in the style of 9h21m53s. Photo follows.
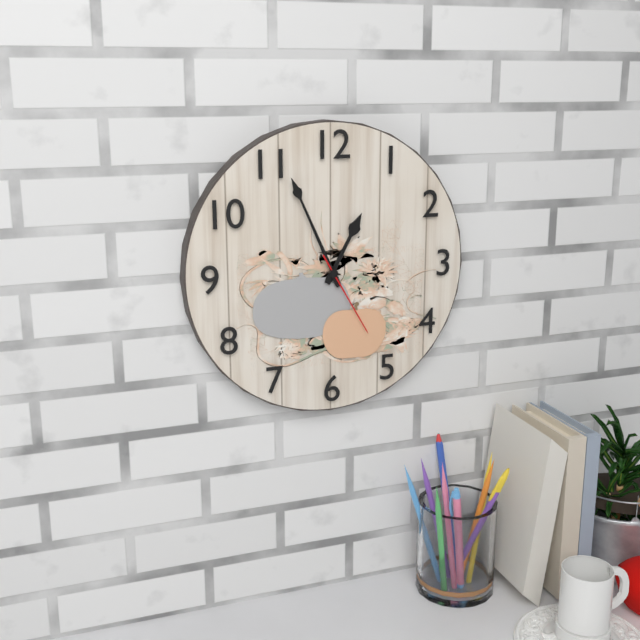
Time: 12h56m25s
